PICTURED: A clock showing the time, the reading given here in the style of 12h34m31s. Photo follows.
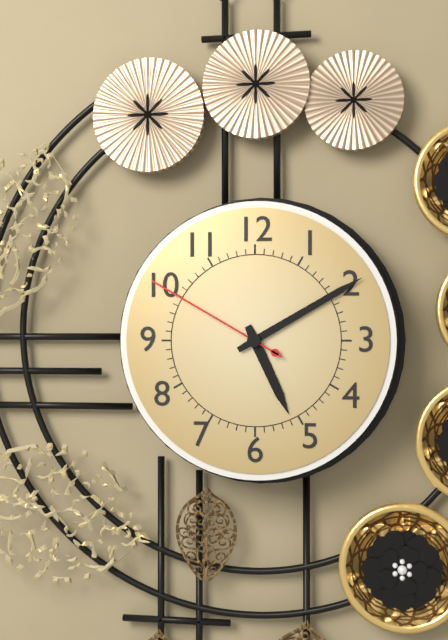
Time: 5h10m50s
